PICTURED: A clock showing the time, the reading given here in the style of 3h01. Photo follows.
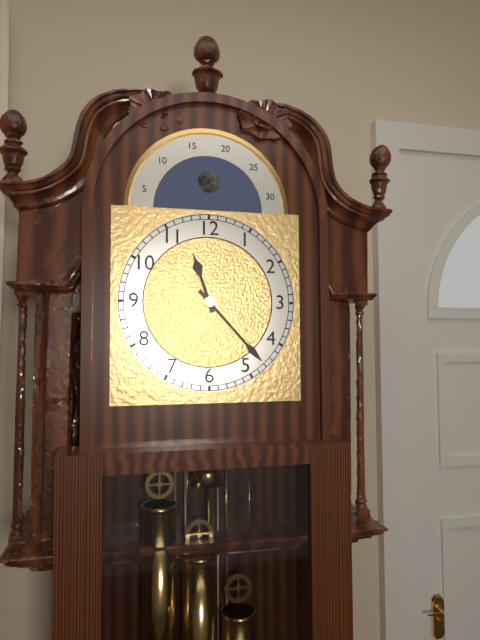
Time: 11h23
